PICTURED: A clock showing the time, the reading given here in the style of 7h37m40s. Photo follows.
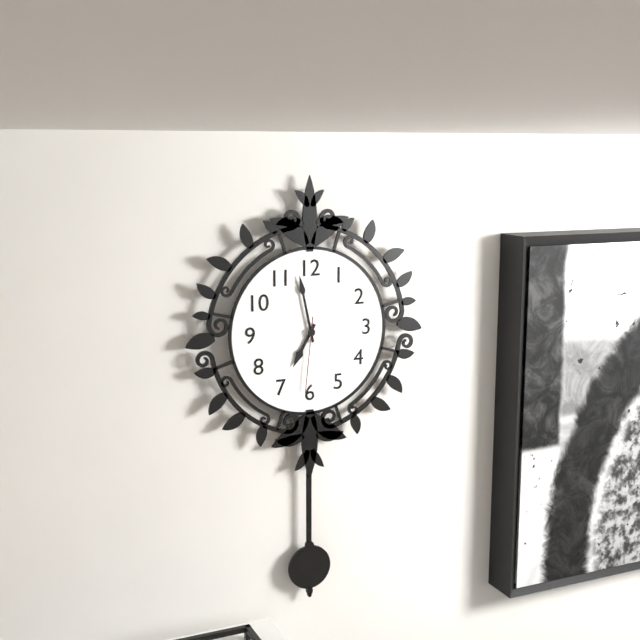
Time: 6h58m31s
